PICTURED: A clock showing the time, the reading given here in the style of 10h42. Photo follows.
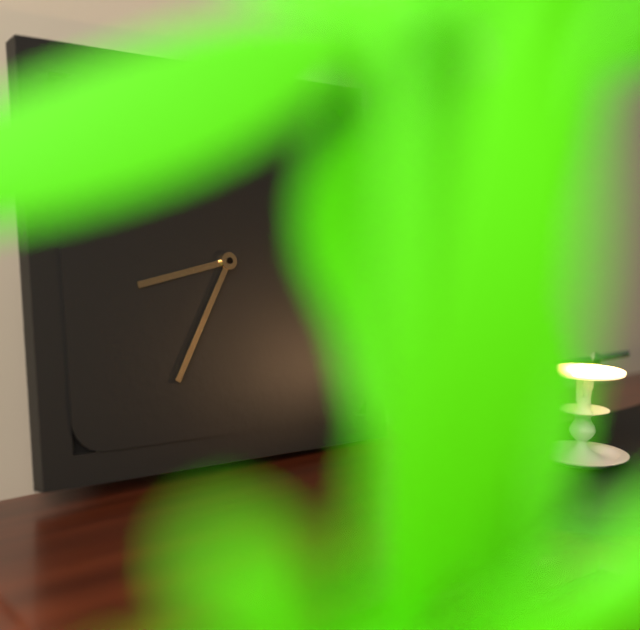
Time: 8h35
